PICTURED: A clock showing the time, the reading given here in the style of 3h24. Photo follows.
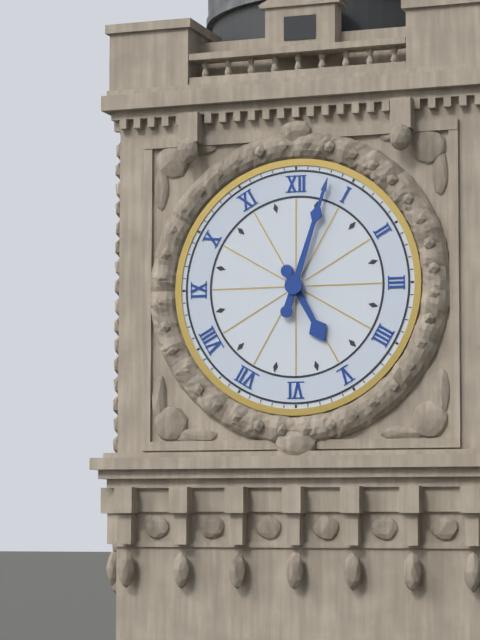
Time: 5h03
